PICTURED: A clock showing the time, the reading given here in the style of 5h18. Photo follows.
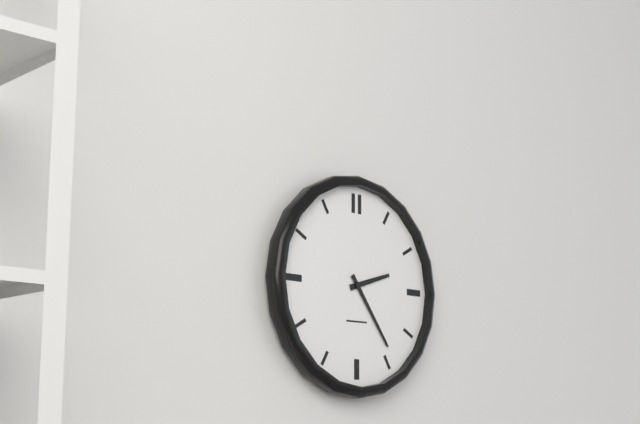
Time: 2h24
